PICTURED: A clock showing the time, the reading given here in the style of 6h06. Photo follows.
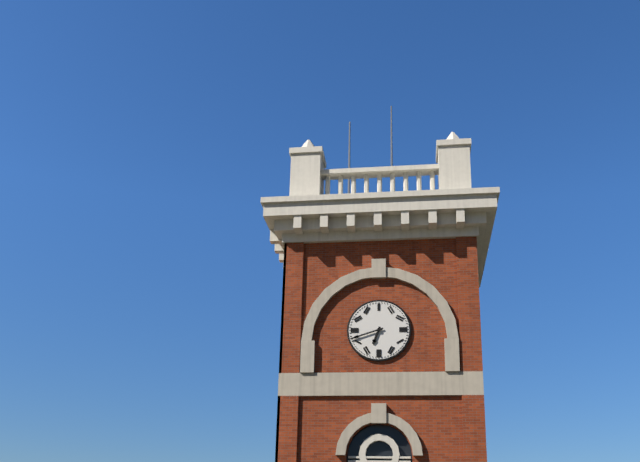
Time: 6h42
